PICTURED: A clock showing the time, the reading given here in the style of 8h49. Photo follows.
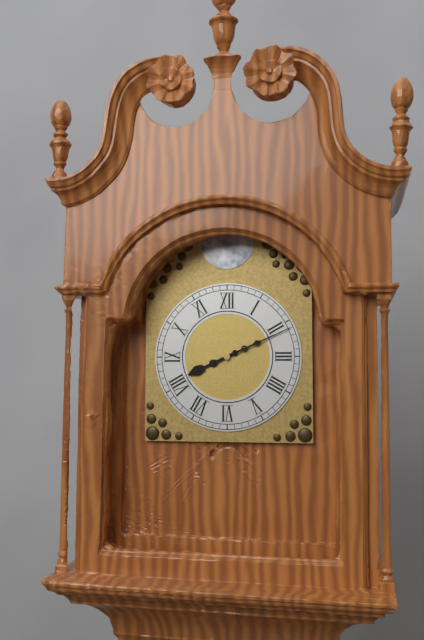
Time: 8h11
